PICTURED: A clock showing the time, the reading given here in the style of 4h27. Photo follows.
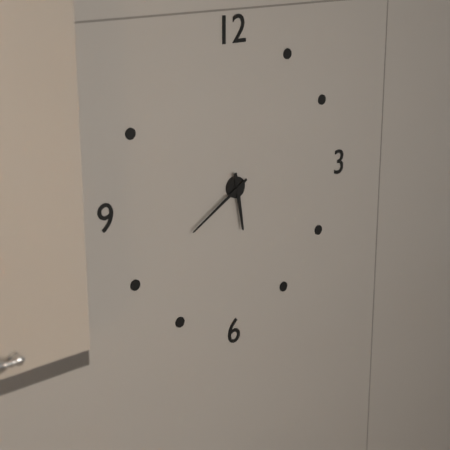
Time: 5h40
